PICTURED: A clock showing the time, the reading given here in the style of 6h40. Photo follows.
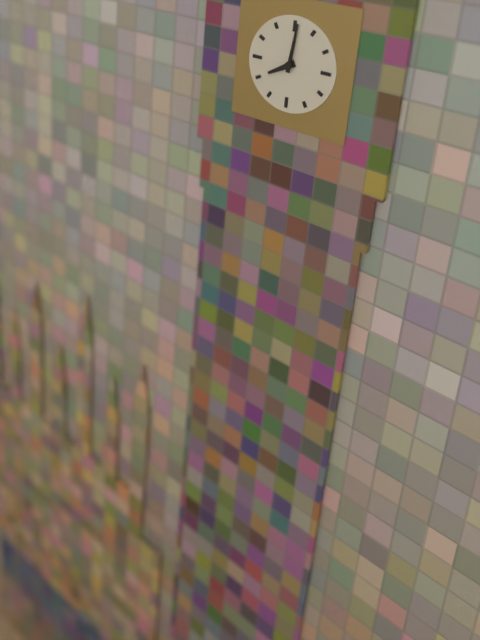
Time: 8h01
